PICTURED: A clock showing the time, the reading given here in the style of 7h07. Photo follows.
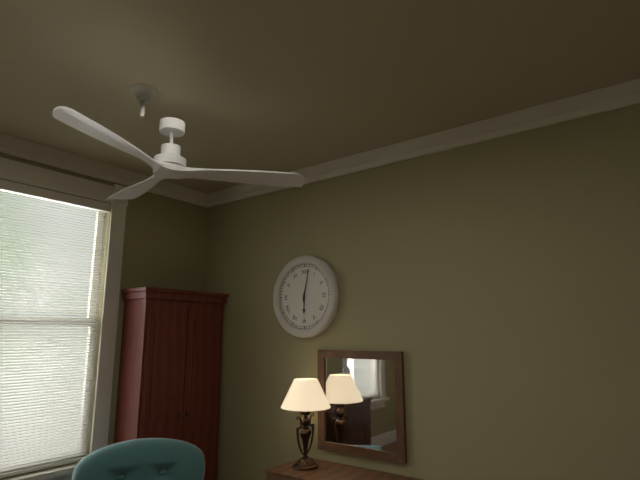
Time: 6h02
